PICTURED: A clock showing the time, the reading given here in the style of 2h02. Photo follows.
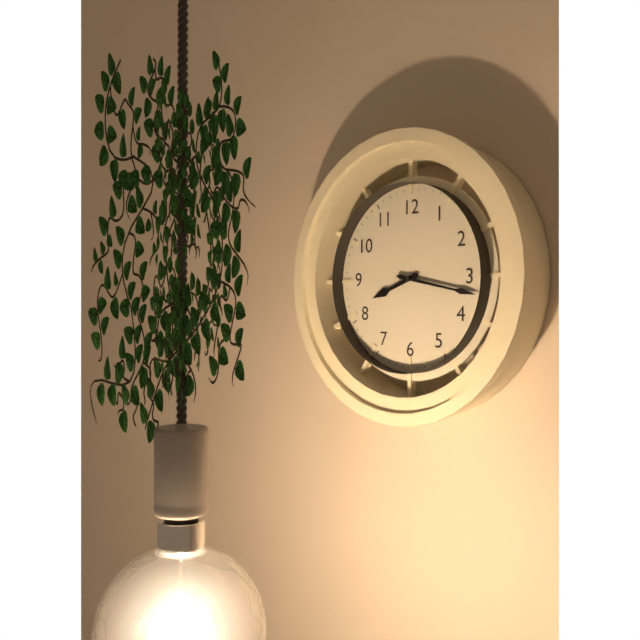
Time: 8h17
